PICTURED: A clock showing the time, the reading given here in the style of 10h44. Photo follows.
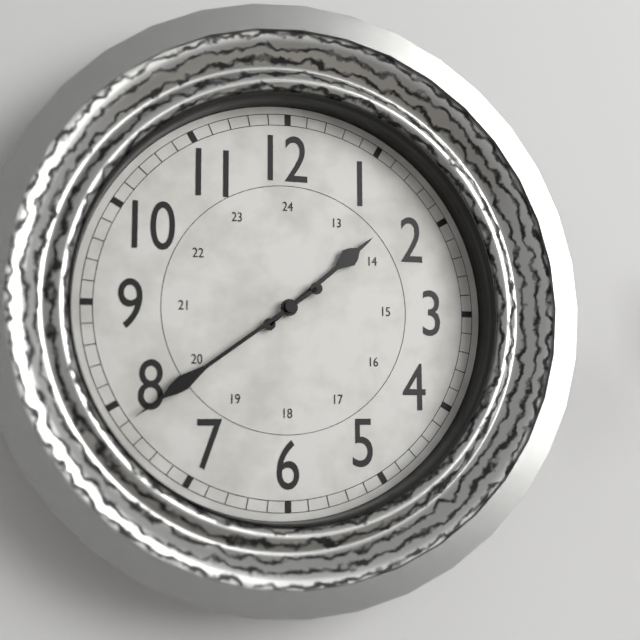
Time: 1h39
